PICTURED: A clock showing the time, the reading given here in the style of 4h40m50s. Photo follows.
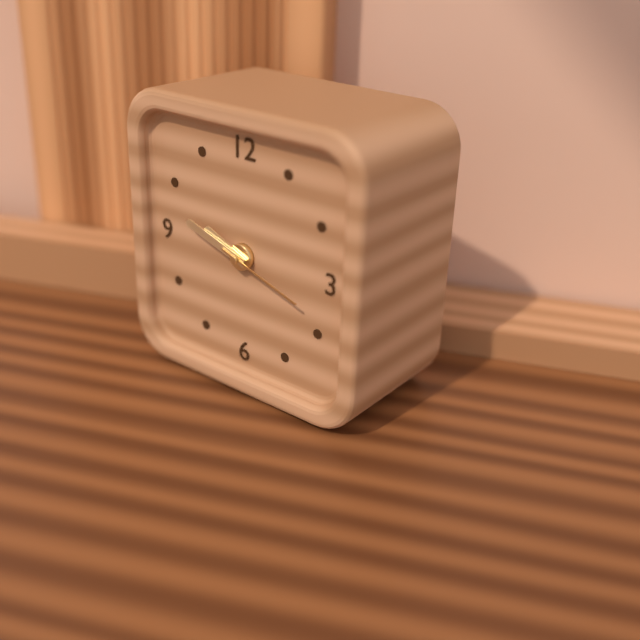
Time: 9h48m18s
